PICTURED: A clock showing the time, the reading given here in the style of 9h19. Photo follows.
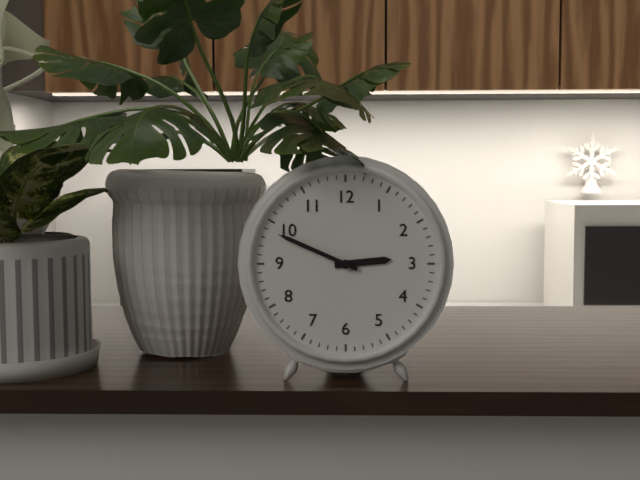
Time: 2h49
